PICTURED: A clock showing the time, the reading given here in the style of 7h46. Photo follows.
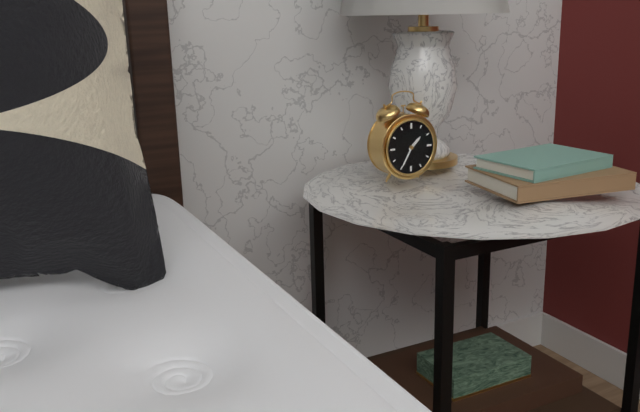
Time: 1h35
